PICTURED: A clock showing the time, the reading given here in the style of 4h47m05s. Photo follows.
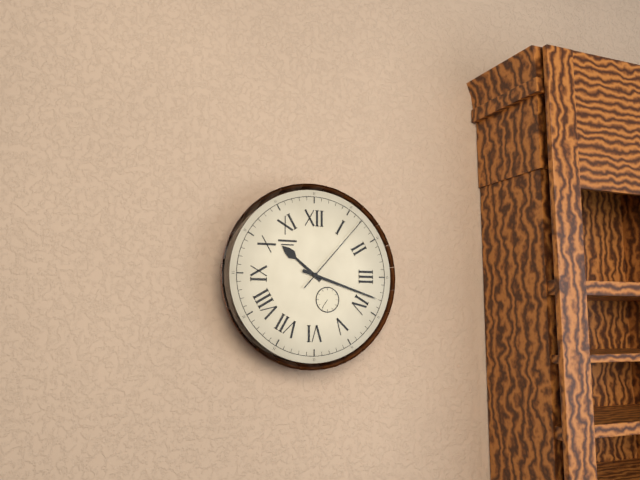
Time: 10h18m07s
